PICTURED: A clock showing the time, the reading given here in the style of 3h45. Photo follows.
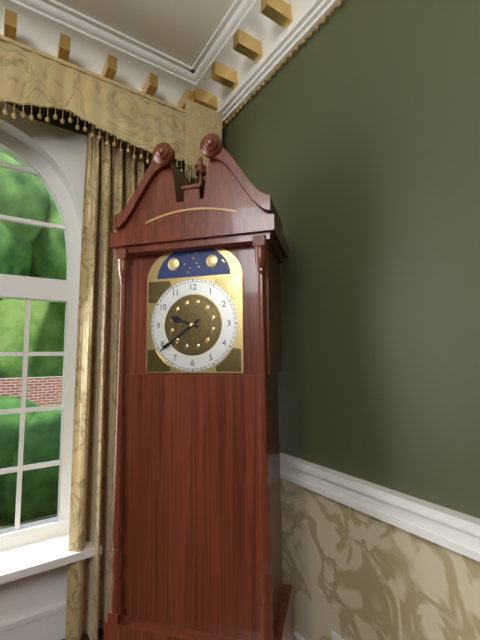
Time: 9h39
